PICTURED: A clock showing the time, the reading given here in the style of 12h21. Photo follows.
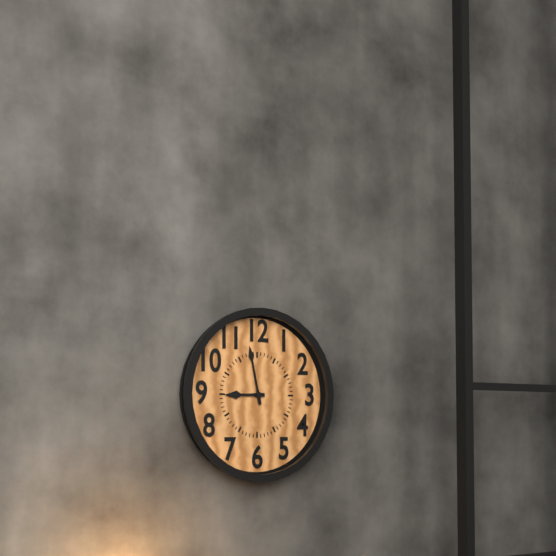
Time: 8h58
